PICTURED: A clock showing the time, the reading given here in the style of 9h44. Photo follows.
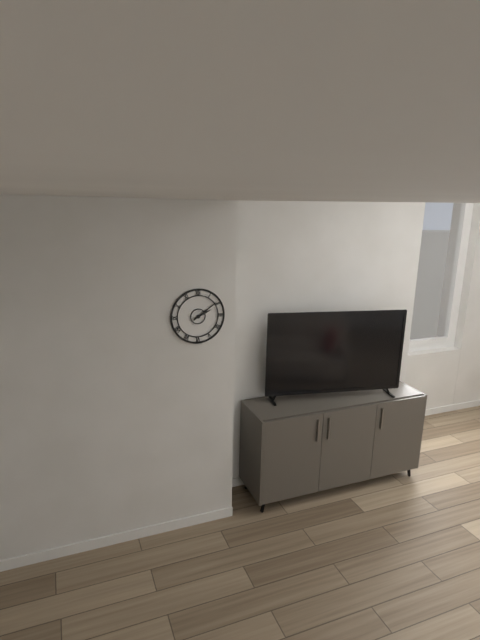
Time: 2h09
